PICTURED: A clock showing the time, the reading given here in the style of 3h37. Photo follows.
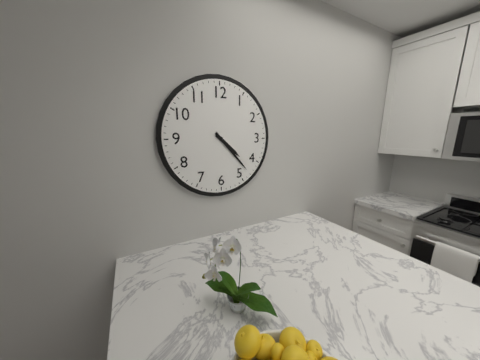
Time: 4h23
